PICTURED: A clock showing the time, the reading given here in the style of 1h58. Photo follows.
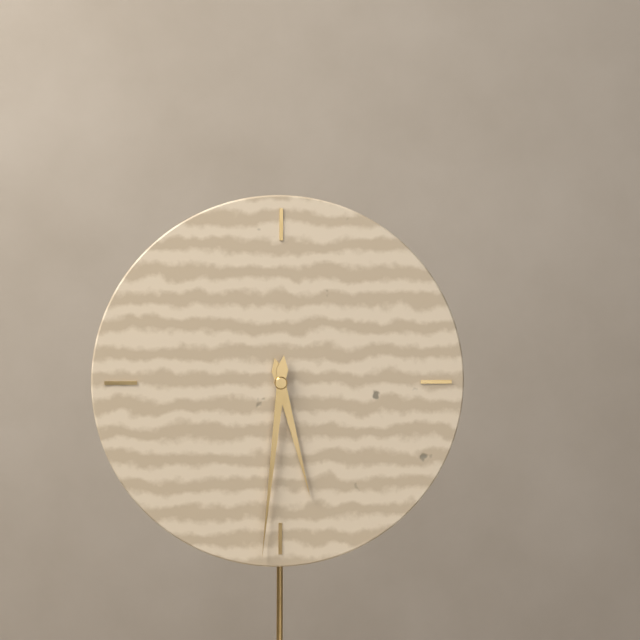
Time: 5h31
